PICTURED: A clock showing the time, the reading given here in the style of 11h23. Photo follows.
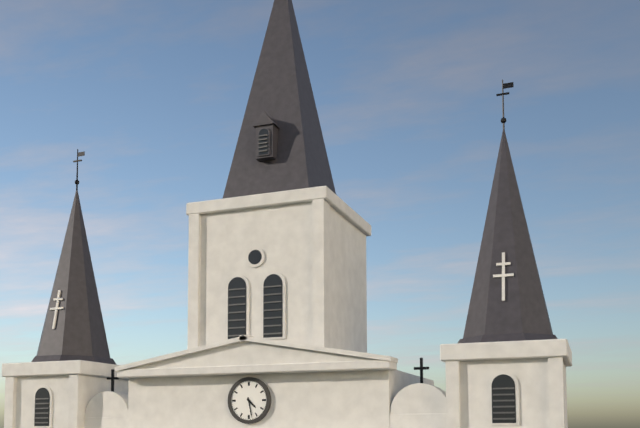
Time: 4h28
